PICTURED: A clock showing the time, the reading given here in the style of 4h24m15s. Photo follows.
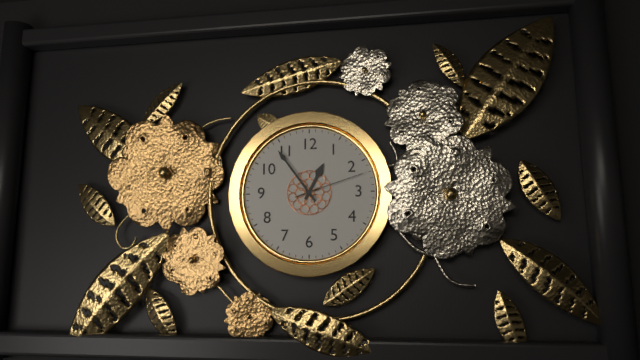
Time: 12h54m12s
